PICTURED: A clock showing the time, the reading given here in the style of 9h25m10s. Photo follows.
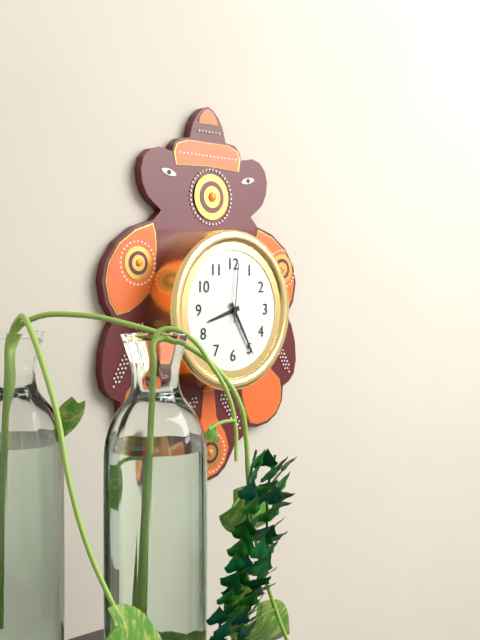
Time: 8h25m01s
